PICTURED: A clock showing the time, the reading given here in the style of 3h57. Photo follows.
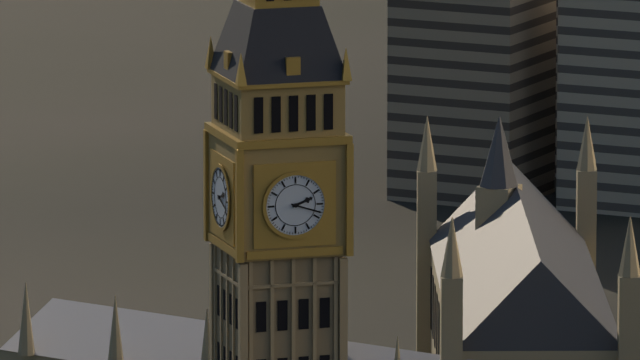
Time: 2h18
